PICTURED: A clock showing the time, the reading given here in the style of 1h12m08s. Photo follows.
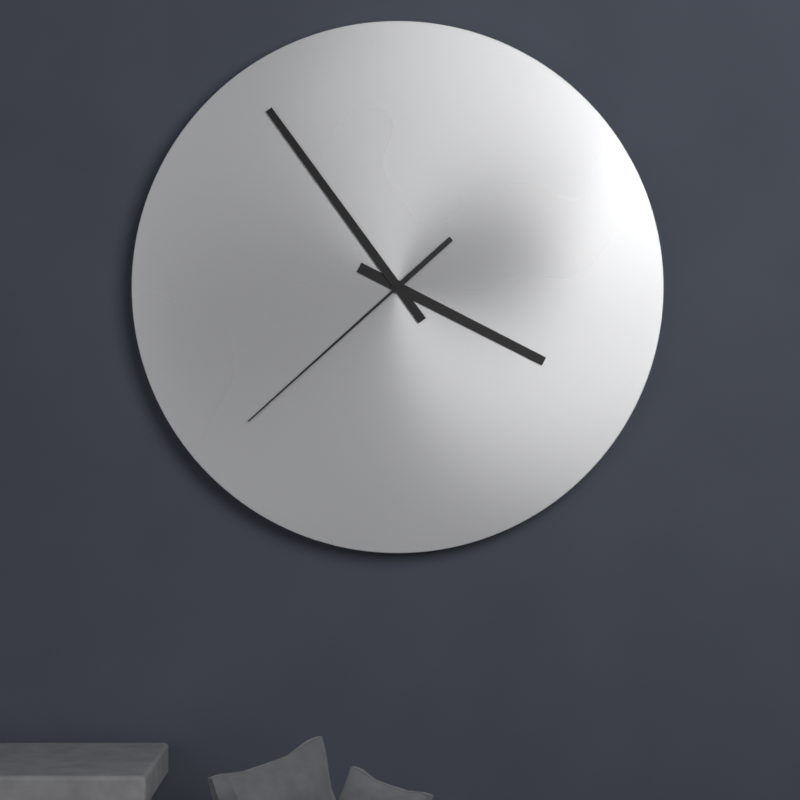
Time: 3h54m38s
